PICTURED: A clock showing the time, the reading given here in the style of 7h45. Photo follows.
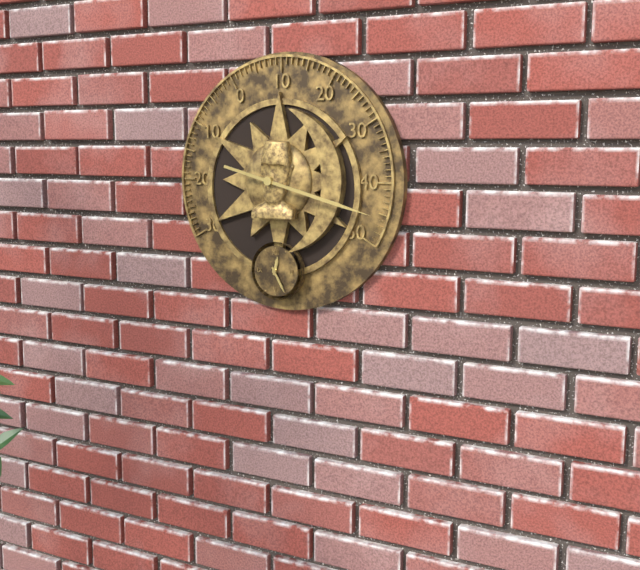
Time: 12h25
